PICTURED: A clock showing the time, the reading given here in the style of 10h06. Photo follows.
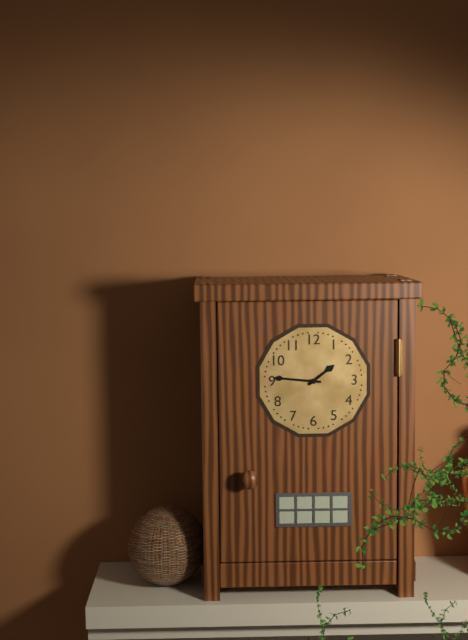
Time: 1h46
